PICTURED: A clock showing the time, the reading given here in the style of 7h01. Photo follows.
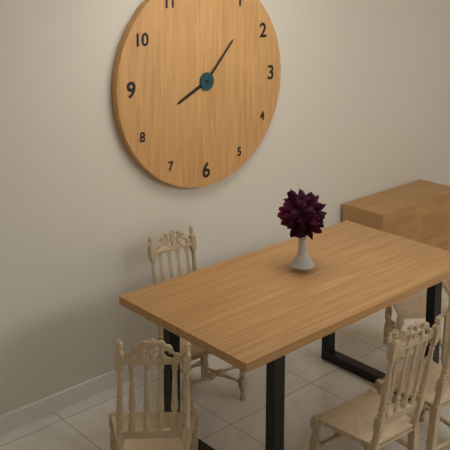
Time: 8h07
